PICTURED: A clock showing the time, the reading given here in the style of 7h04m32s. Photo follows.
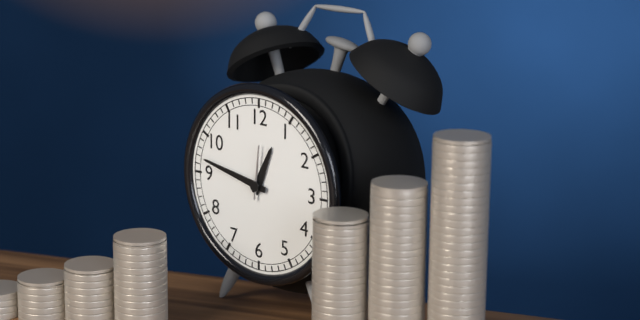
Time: 12h47m01s
